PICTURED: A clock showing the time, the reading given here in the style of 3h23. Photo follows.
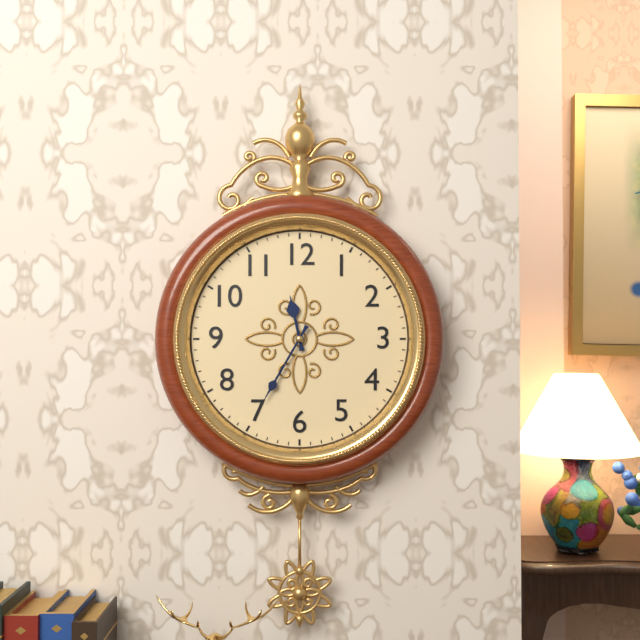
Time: 11h35
